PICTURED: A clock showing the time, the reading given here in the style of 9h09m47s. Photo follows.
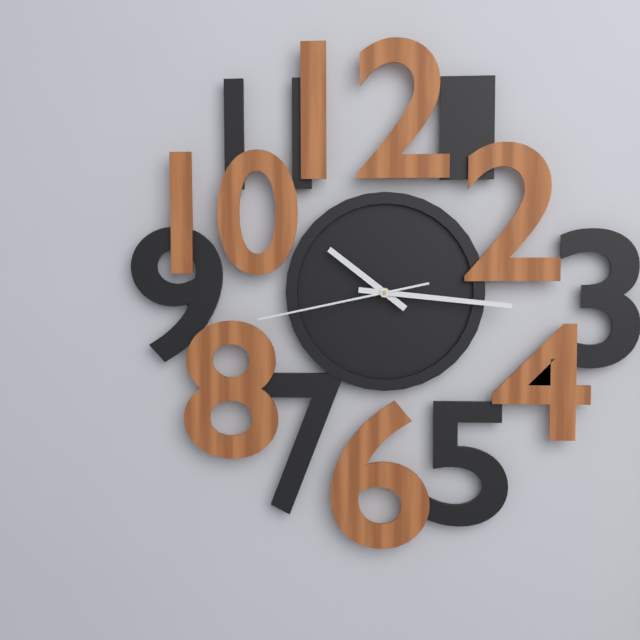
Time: 10h16m43s
